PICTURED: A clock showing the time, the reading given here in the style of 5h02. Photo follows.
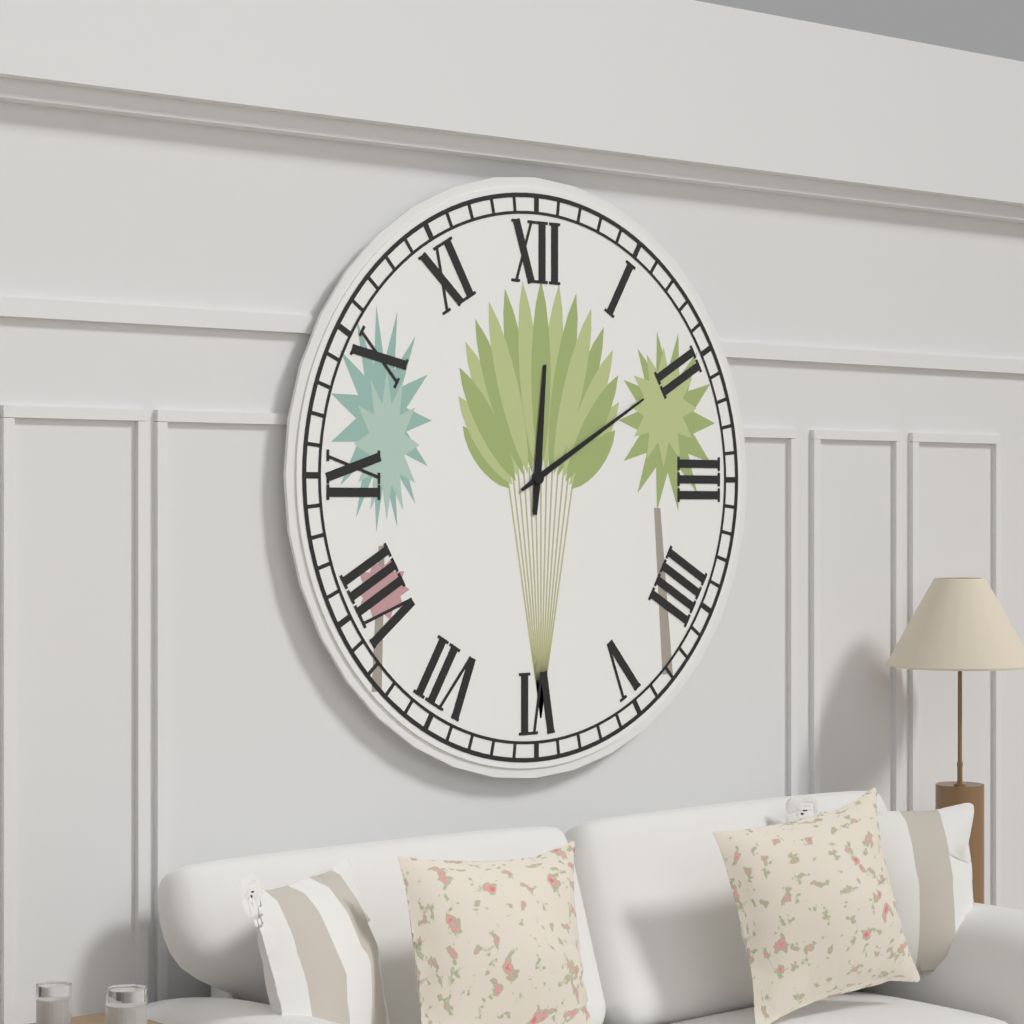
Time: 12h10
